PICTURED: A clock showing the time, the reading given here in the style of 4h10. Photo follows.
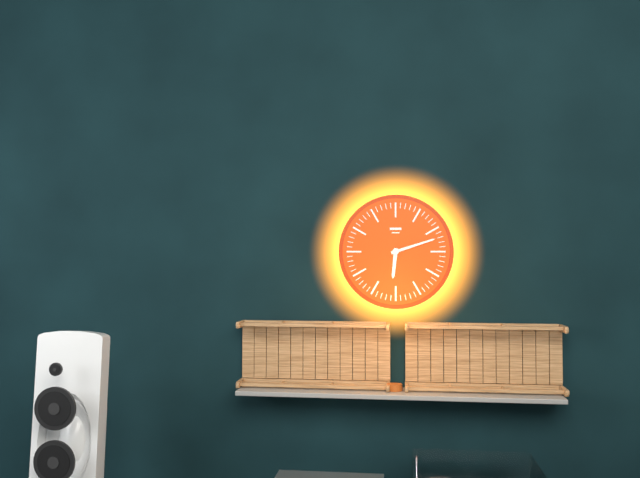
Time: 6h12
